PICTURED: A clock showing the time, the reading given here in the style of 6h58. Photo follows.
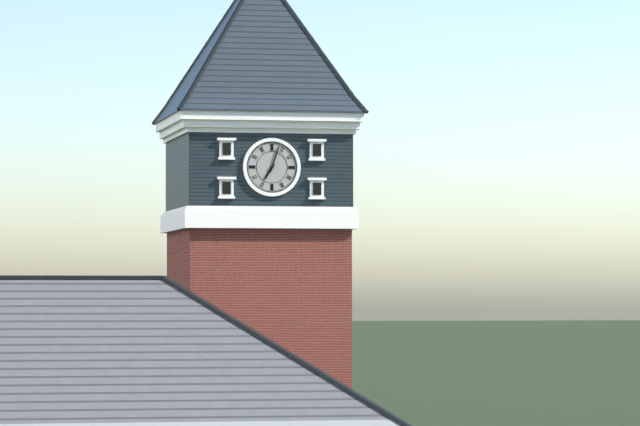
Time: 7h03
